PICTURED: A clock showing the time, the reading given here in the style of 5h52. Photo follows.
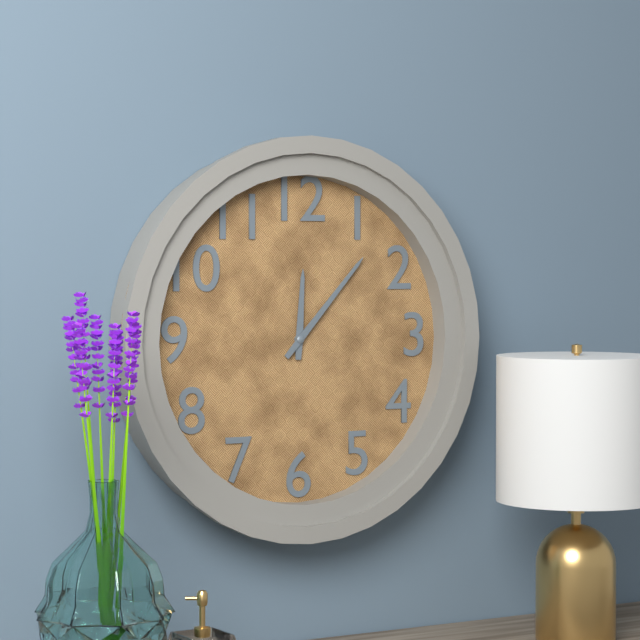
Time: 12h07
